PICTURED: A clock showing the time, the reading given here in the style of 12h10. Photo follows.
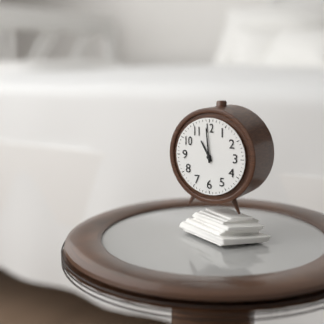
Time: 10h59
